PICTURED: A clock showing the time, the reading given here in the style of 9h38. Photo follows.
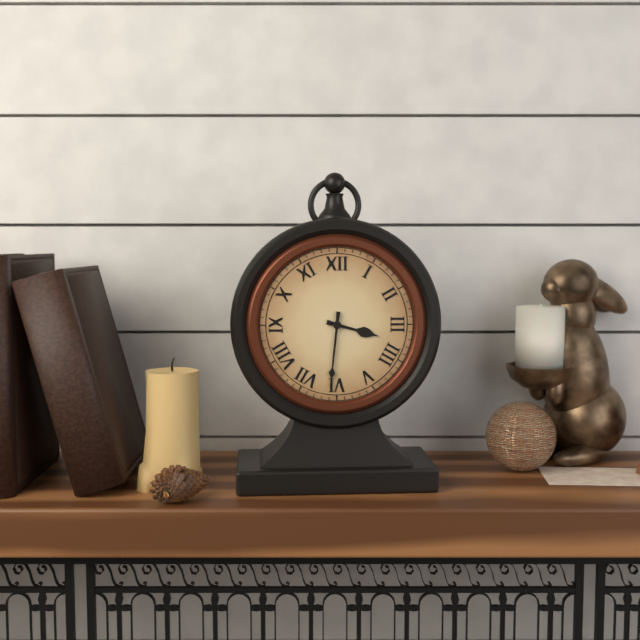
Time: 3h31
